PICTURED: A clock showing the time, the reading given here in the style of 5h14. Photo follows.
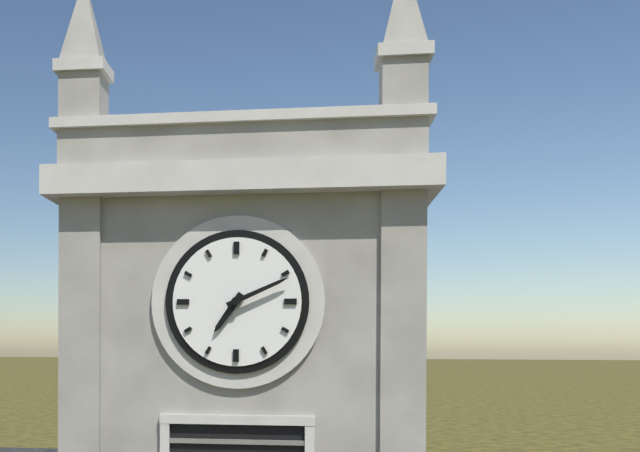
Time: 7h11
